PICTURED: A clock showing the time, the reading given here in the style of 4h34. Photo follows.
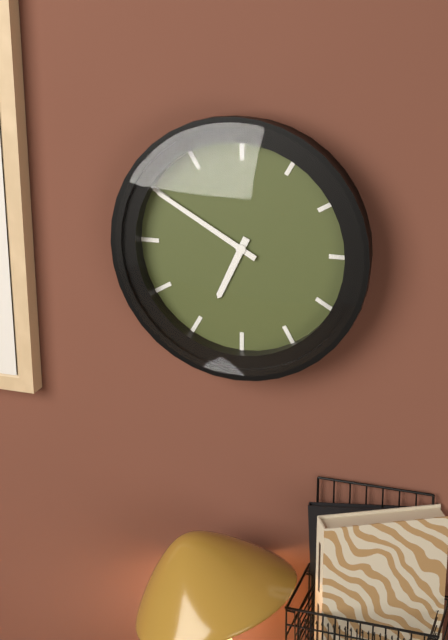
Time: 6h50
